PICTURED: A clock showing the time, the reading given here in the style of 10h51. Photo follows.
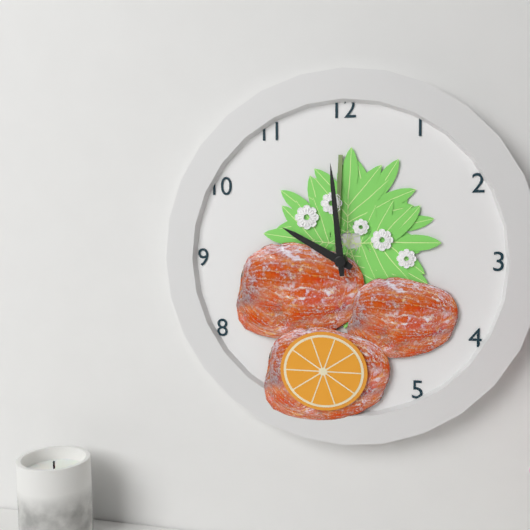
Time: 9h59
